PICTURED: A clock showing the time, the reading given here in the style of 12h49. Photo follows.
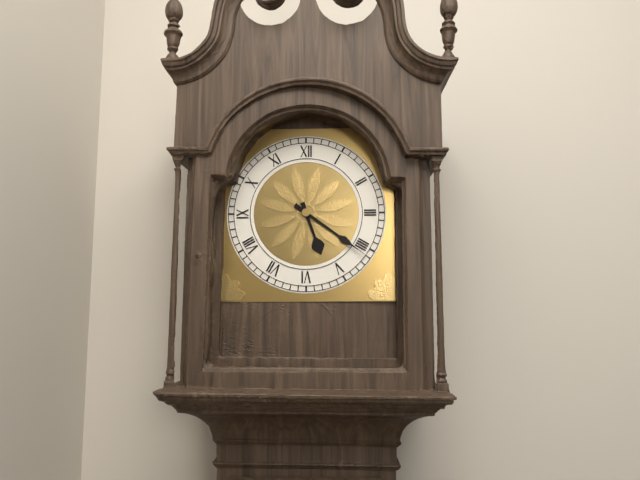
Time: 5h21
